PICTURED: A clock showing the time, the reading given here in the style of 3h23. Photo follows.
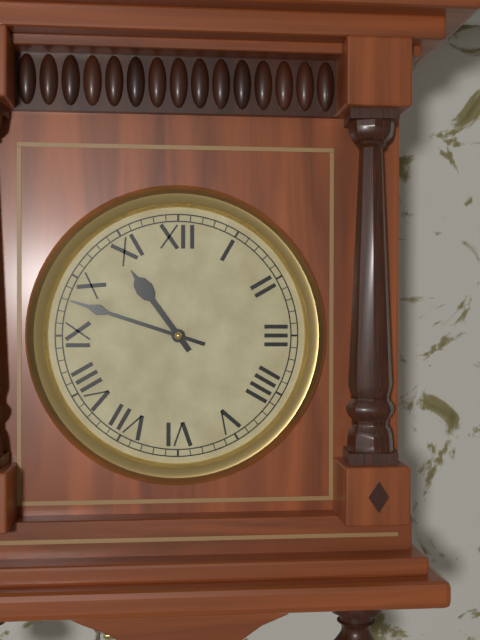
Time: 10h48
